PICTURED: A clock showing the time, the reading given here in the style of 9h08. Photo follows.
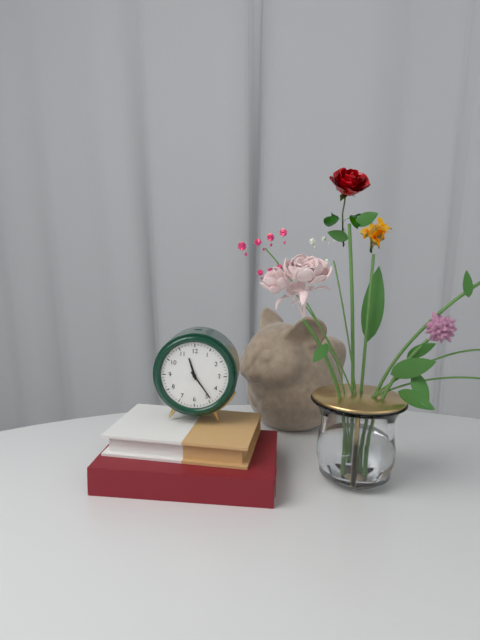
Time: 11h24
